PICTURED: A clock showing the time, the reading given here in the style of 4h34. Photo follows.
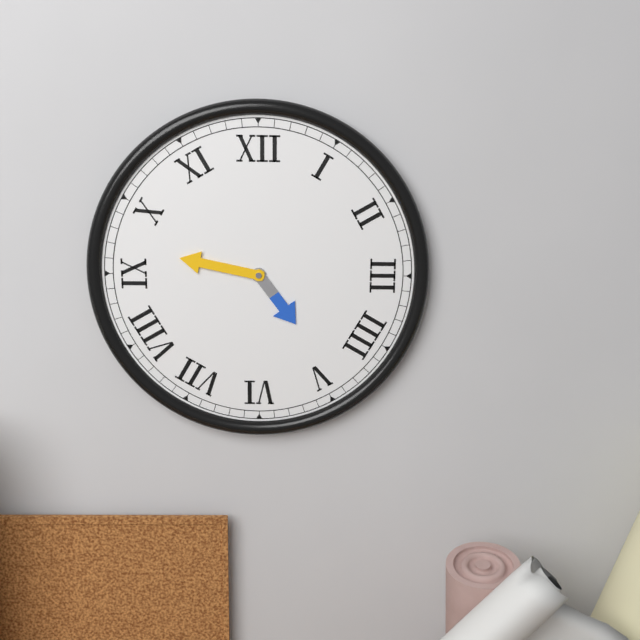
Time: 4h47
